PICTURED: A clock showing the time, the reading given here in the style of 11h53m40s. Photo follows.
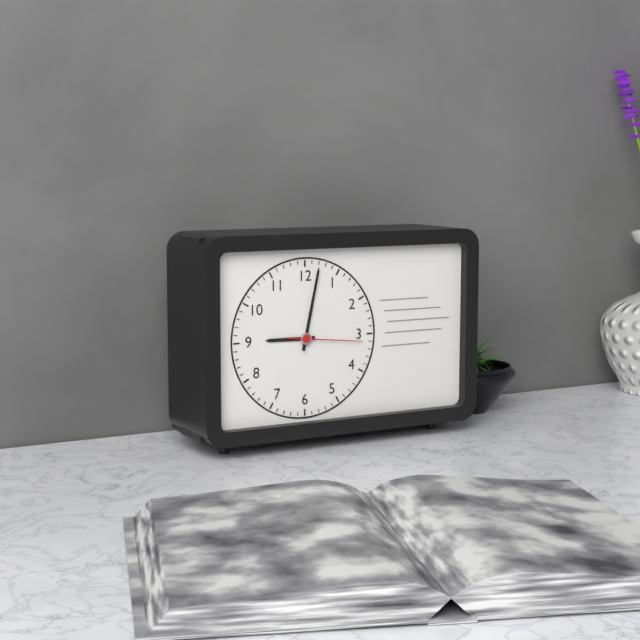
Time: 9h02m16s
